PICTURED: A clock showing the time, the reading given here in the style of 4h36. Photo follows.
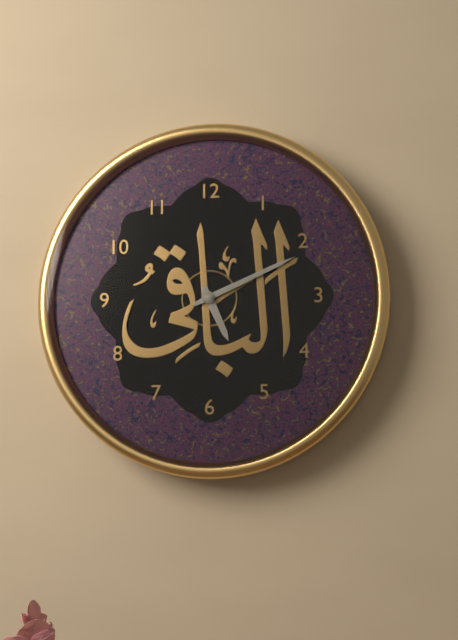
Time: 5h11
